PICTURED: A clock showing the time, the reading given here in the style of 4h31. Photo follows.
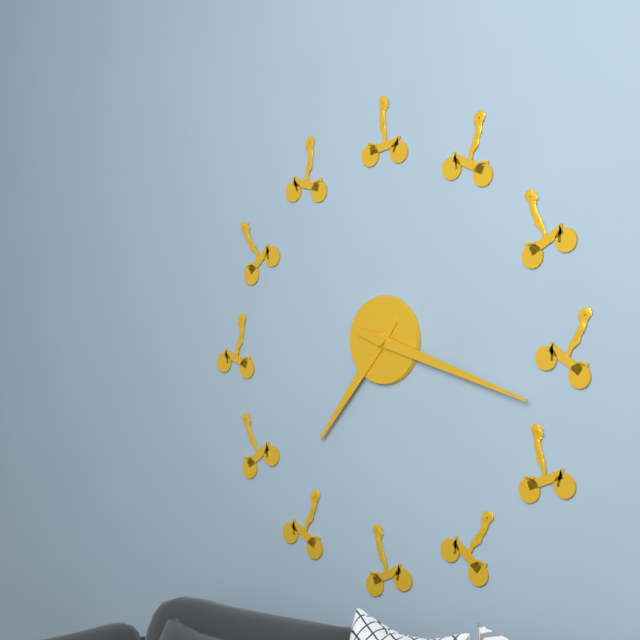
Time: 7h18
